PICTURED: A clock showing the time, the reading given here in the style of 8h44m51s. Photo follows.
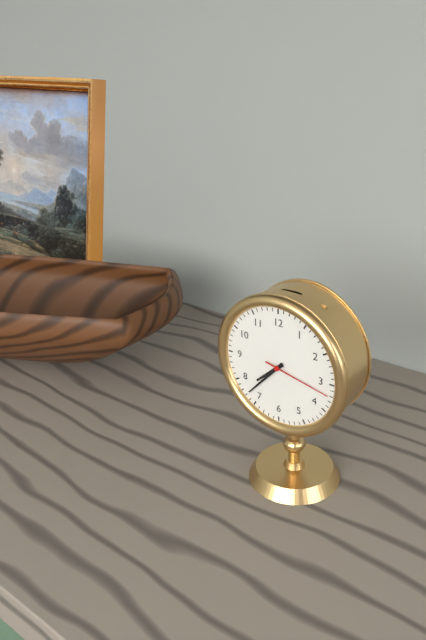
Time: 7h37m17s
